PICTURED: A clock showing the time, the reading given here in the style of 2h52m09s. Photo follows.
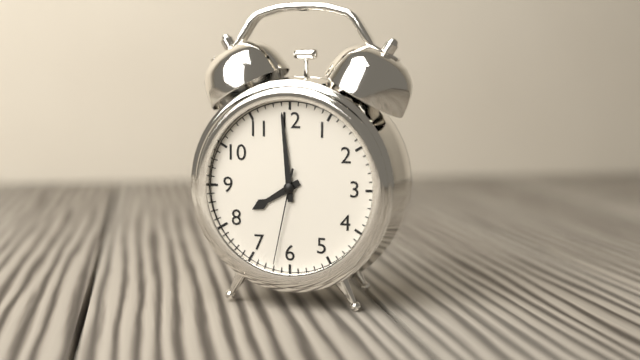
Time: 7h59m32s
